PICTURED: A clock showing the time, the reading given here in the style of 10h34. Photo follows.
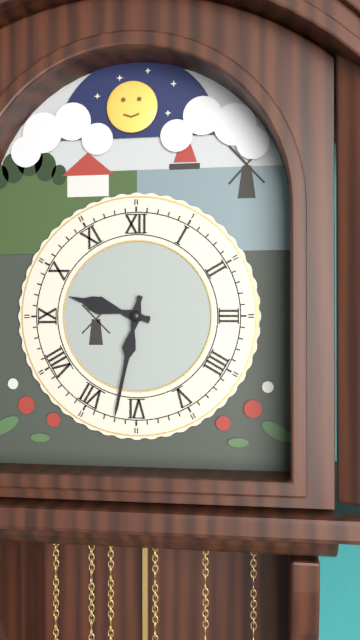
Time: 9h32
